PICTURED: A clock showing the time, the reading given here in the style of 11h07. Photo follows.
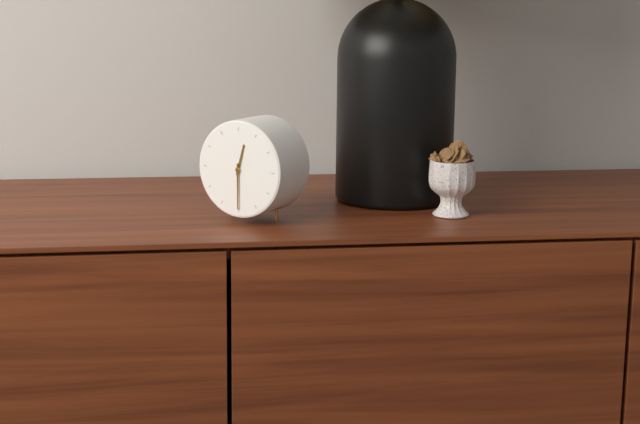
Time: 12h30
